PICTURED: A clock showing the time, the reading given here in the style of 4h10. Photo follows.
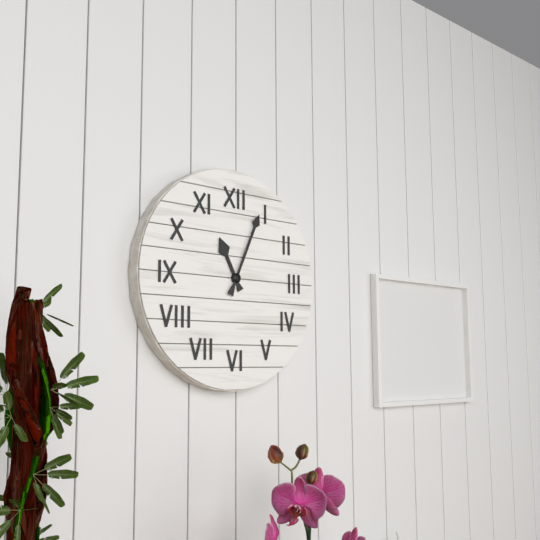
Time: 11h04
